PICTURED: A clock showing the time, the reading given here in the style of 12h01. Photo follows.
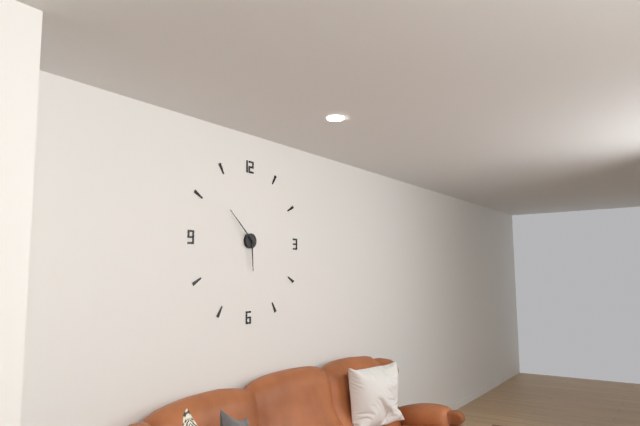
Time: 5h52
